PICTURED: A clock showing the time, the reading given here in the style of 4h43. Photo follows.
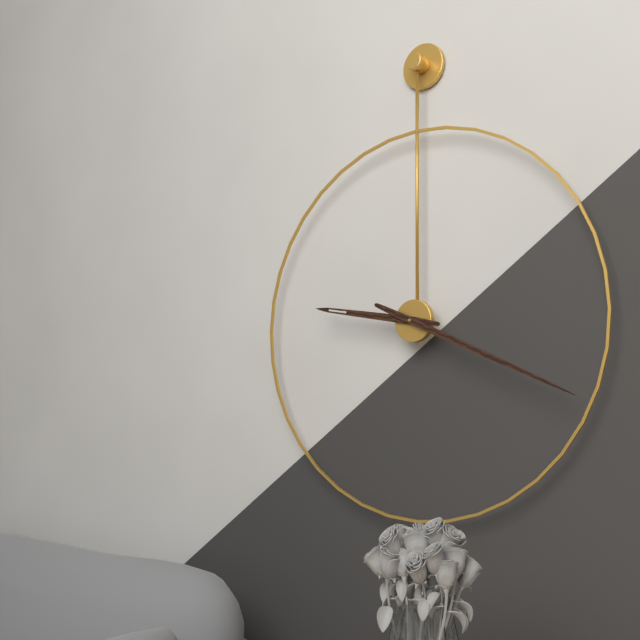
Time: 9h19
